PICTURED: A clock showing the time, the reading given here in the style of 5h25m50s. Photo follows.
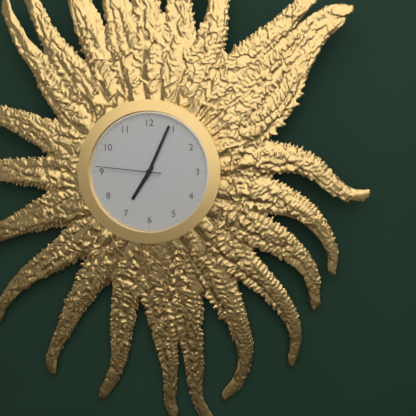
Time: 7h04m46s
